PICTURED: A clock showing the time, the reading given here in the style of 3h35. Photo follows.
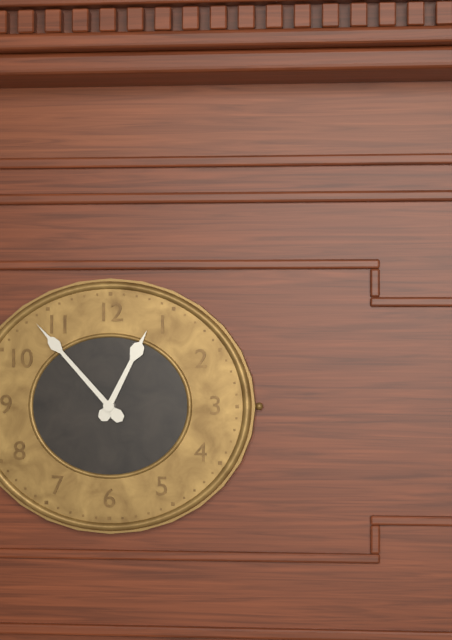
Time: 12h53
